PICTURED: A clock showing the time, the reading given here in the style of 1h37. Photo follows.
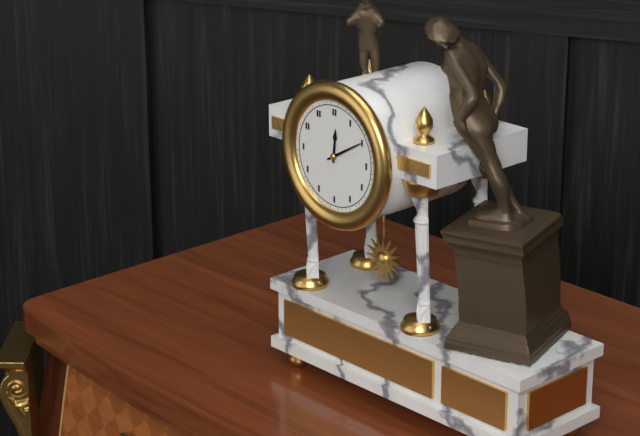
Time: 12h10
